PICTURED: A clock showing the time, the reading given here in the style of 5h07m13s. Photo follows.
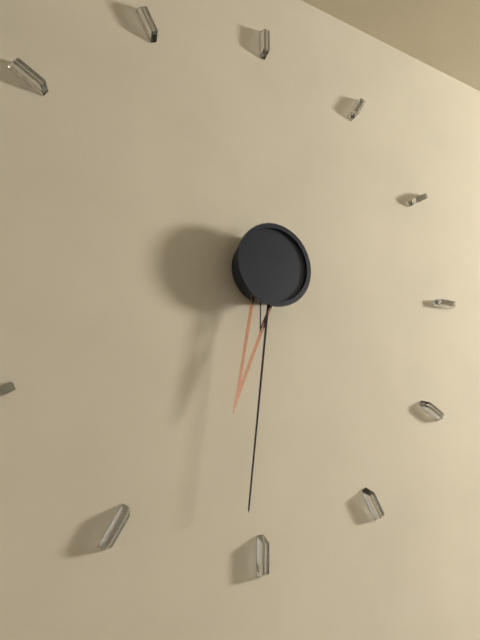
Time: 6h31m32s
